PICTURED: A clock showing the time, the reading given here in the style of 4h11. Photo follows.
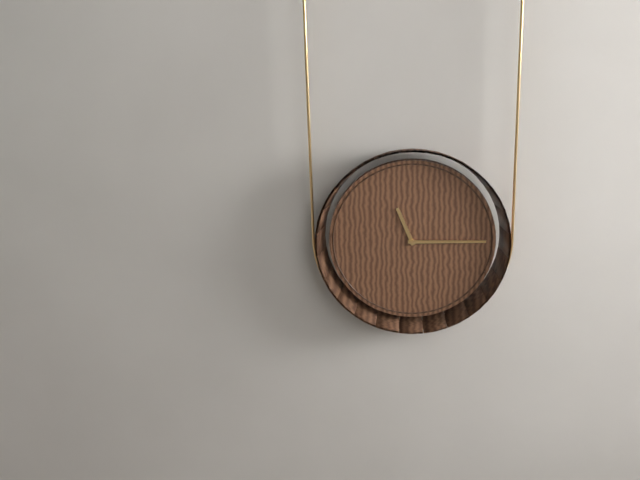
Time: 11h15
